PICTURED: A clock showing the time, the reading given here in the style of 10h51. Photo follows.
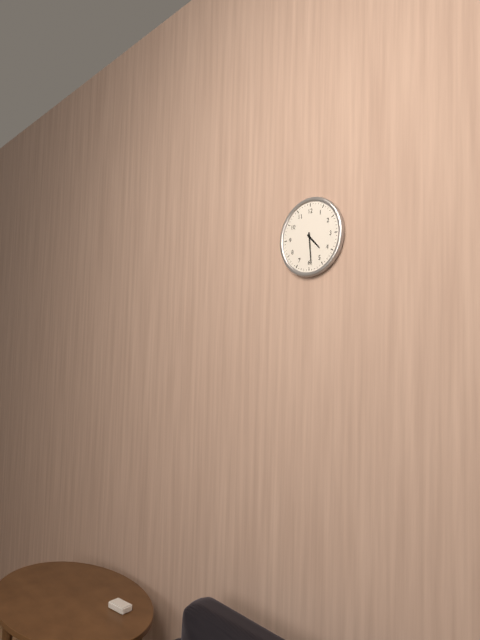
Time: 4h29
